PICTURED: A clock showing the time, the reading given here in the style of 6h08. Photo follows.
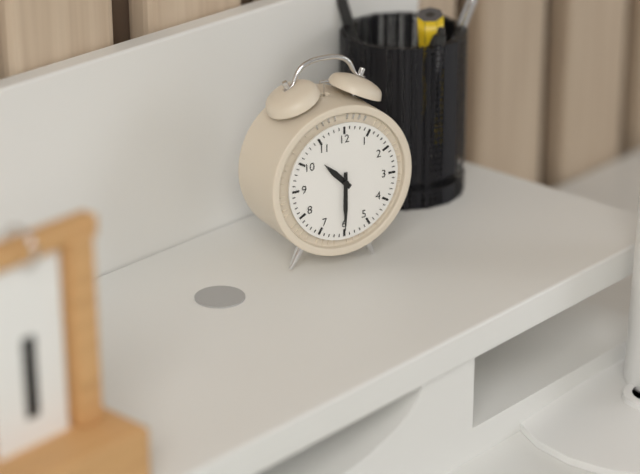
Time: 10h30
